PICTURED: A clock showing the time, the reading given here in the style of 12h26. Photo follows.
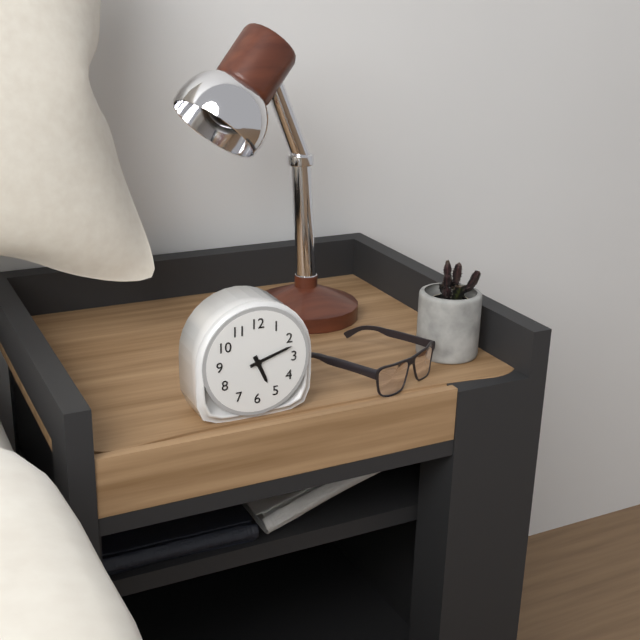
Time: 5h12
